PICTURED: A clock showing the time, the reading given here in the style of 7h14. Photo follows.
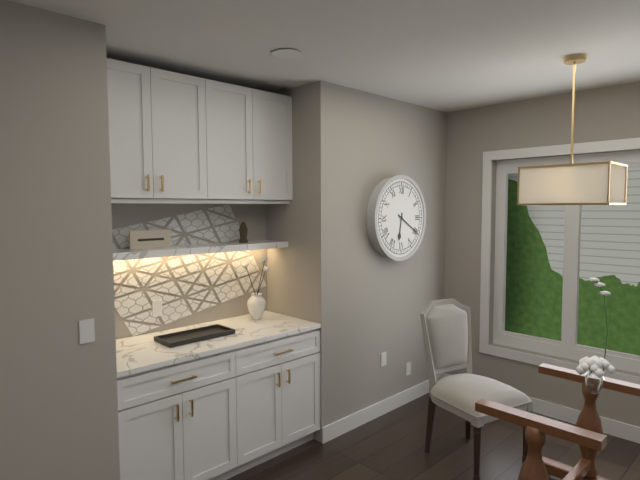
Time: 6h20
